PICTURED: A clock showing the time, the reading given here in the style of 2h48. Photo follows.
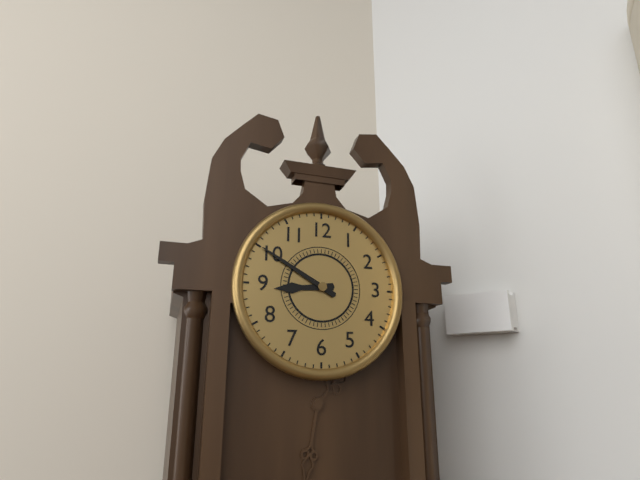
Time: 8h50
